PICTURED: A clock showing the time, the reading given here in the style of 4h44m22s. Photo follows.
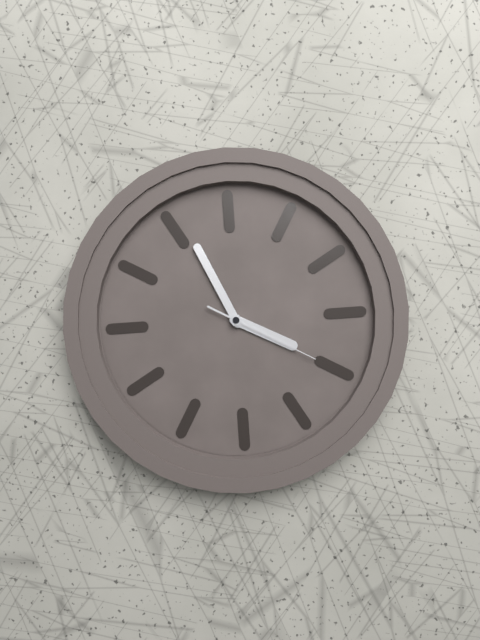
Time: 3h56m20s
